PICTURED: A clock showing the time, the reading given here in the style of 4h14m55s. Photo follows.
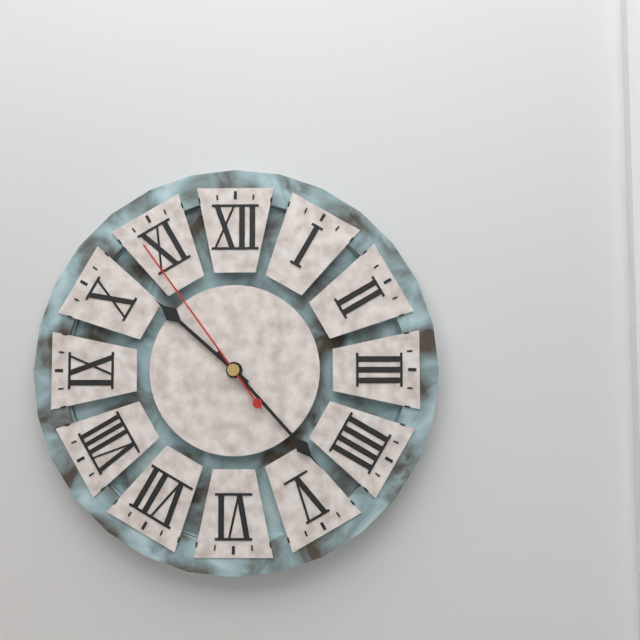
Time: 10h23m54s
